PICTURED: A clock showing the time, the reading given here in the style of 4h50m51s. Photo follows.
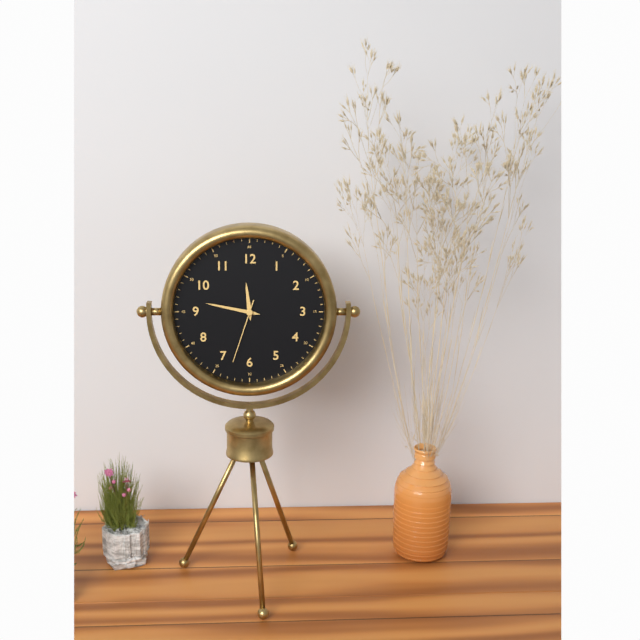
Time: 11h47m33s
